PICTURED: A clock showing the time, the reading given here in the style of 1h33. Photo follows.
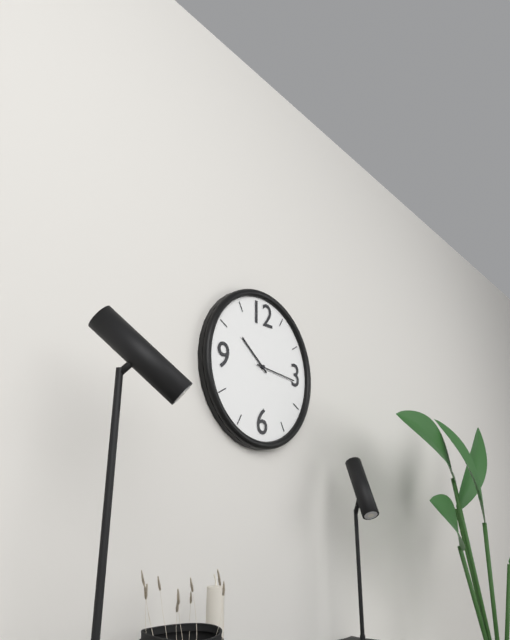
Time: 10h16
